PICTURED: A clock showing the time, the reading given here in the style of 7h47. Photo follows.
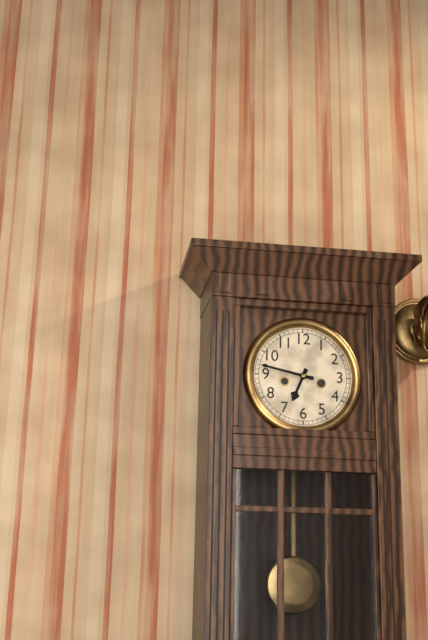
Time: 6h47
